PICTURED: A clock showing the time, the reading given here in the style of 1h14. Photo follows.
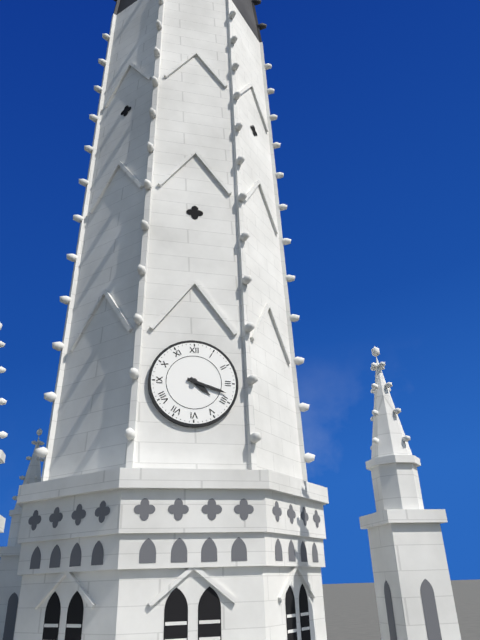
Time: 4h18
